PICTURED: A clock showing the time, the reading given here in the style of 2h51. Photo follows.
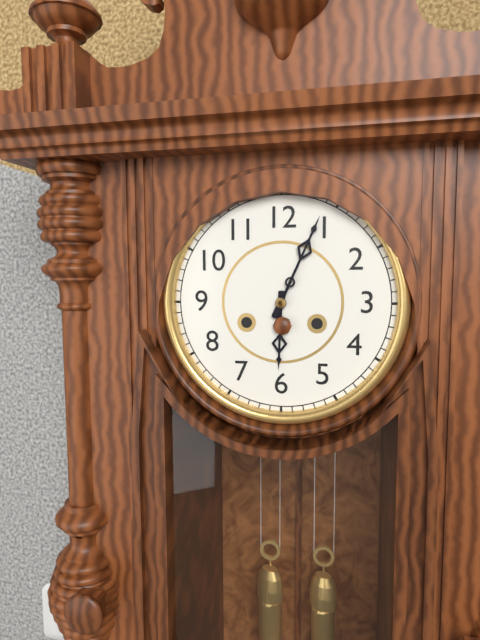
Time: 6h04
